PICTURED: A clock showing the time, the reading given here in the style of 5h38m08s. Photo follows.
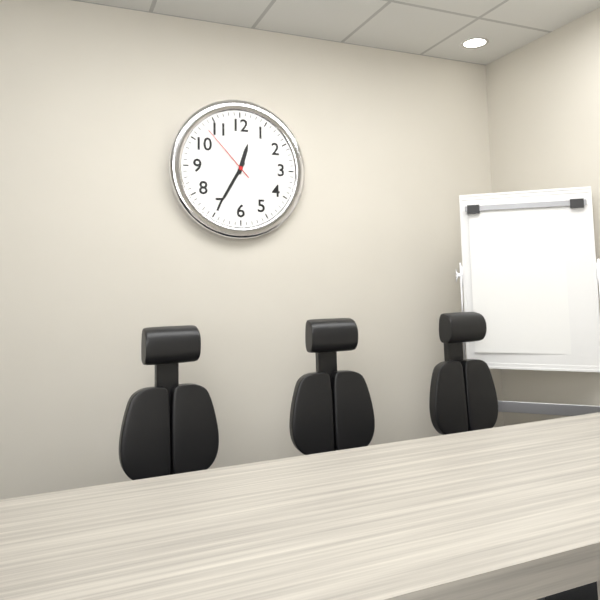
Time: 12h35m53s
